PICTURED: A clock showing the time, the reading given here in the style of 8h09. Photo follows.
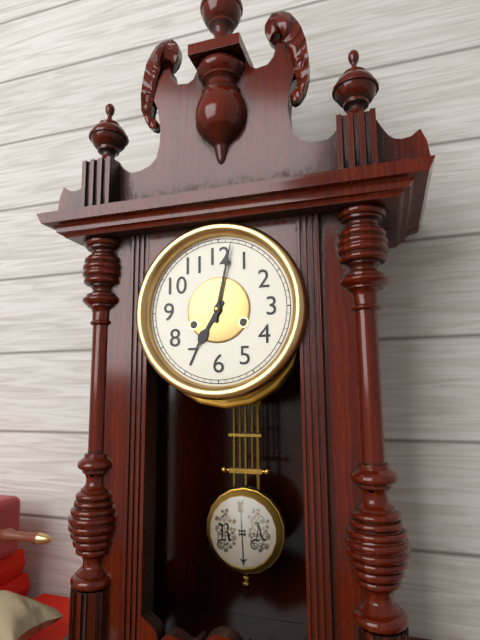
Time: 7h02
